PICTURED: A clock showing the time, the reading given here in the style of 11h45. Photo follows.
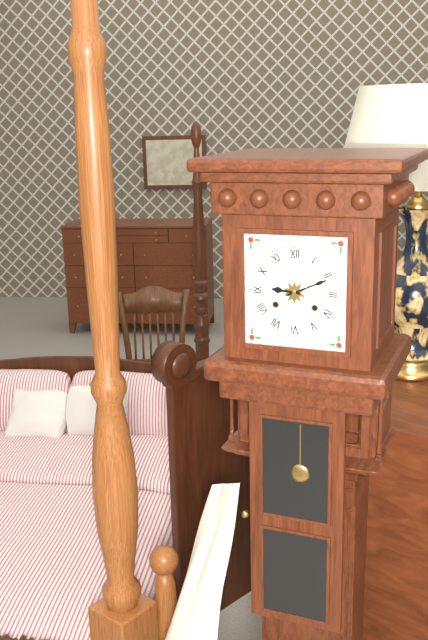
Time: 9h11
